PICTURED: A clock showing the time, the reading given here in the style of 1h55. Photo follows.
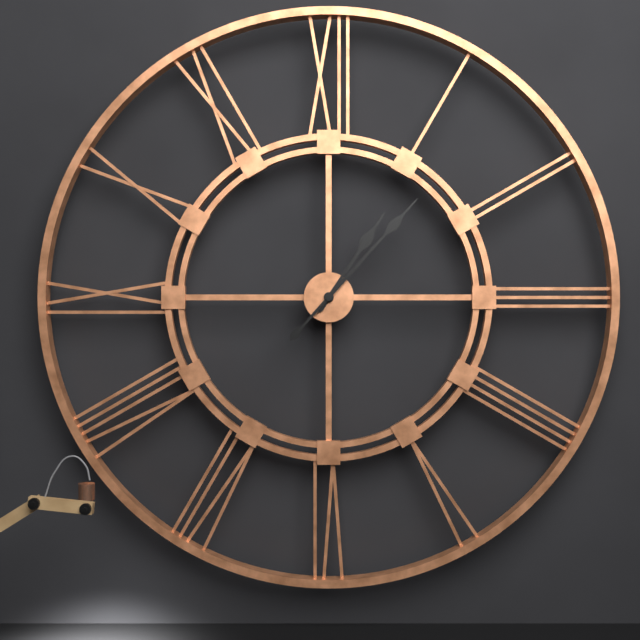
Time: 1h07
